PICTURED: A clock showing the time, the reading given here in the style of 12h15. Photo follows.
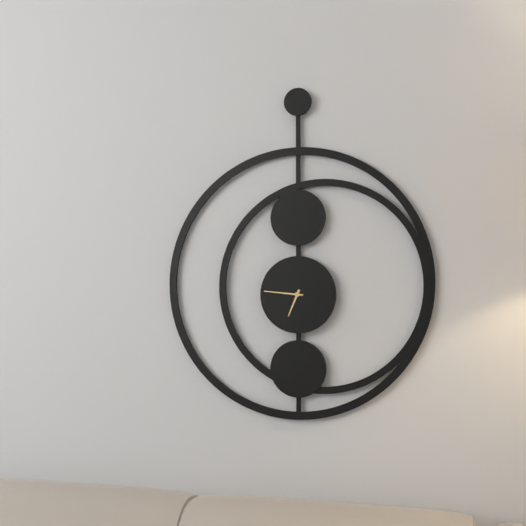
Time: 6h46
